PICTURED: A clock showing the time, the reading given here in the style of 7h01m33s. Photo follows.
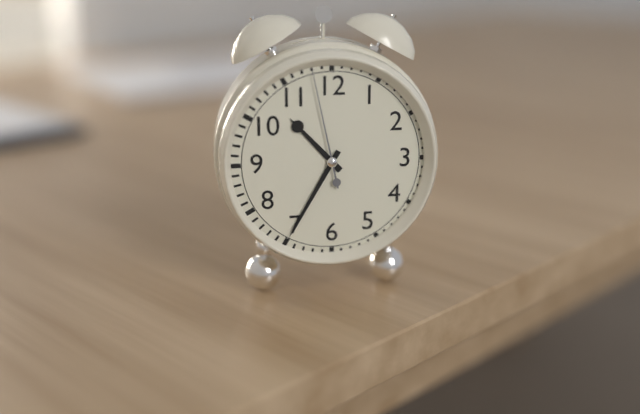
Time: 10h35m58s
